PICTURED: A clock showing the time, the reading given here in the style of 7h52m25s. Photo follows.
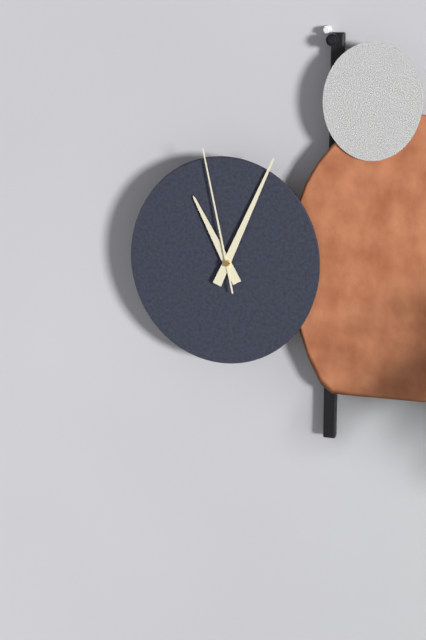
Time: 11h04m58s
